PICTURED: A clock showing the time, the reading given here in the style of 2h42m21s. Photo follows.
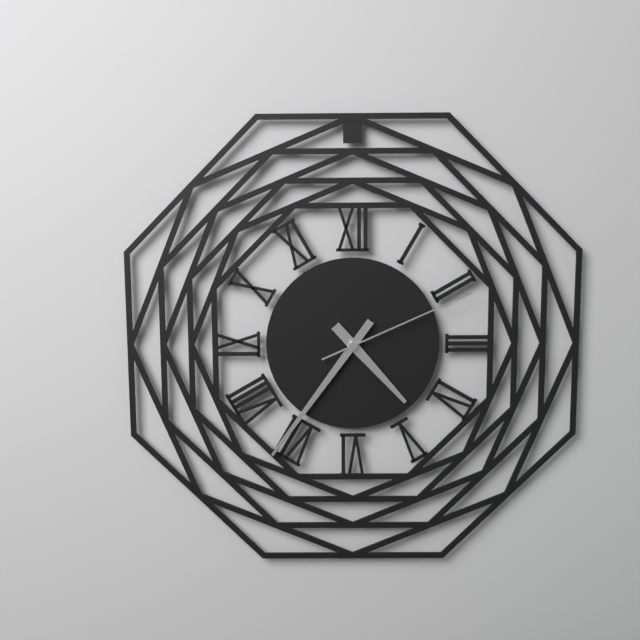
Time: 4h36m11s
